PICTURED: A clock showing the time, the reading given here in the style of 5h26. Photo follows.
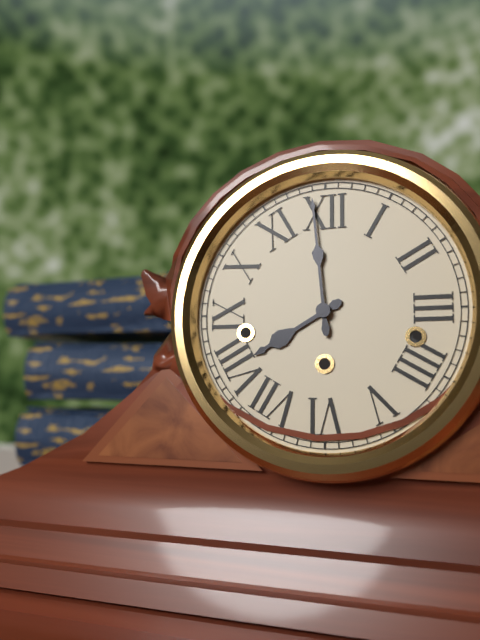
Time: 7h59
